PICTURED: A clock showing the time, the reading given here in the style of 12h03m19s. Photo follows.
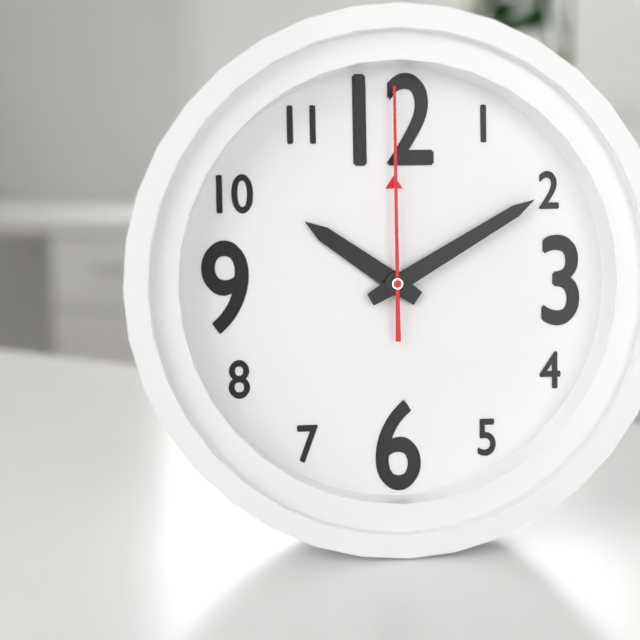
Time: 10h10m00s
